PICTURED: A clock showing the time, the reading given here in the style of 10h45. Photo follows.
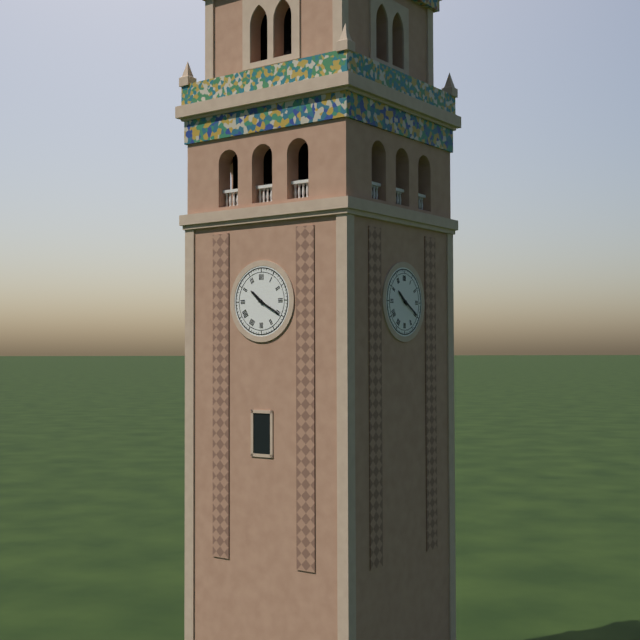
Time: 10h20
